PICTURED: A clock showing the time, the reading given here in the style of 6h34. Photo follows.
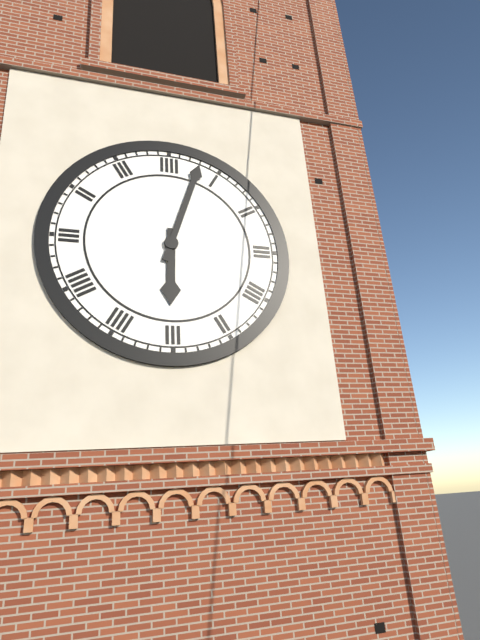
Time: 6h03
